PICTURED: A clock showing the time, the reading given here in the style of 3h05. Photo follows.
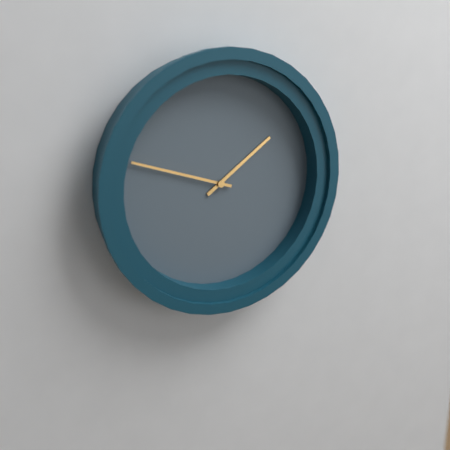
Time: 1h48
